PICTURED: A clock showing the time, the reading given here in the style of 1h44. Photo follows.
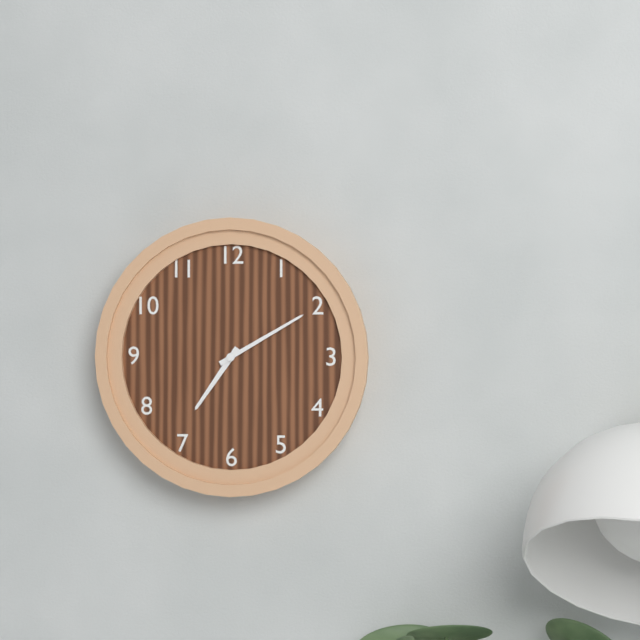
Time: 7h10
